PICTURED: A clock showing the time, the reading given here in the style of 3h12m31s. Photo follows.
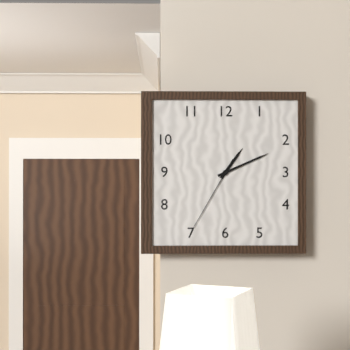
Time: 1h11m35s
